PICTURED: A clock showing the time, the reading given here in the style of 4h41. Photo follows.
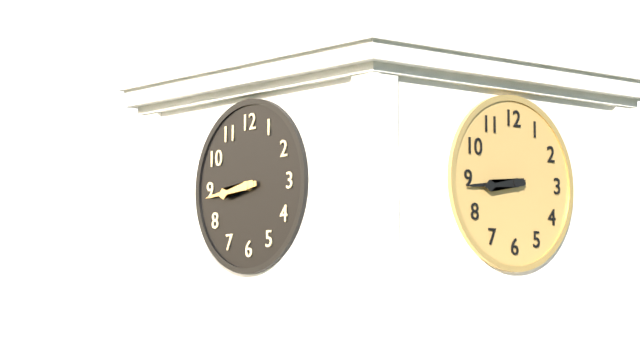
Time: 8h44
